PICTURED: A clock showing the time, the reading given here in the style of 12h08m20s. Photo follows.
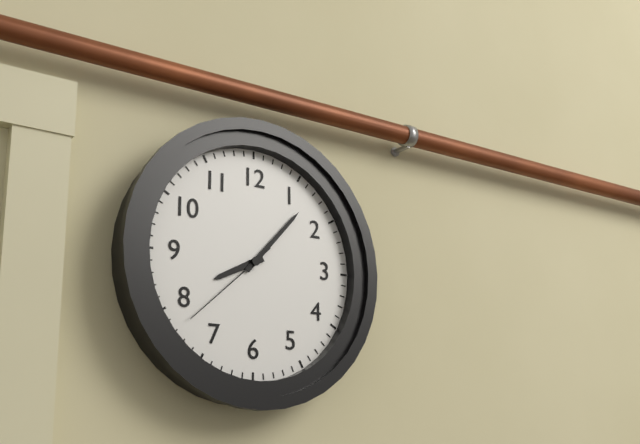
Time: 8h07m38s
